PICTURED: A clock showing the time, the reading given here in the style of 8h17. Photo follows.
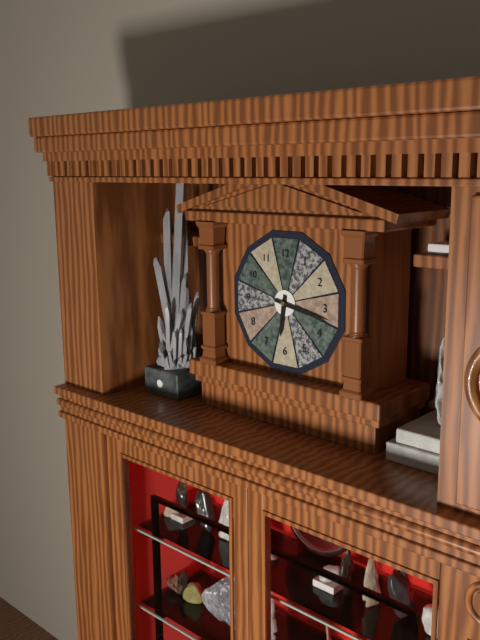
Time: 6h17
